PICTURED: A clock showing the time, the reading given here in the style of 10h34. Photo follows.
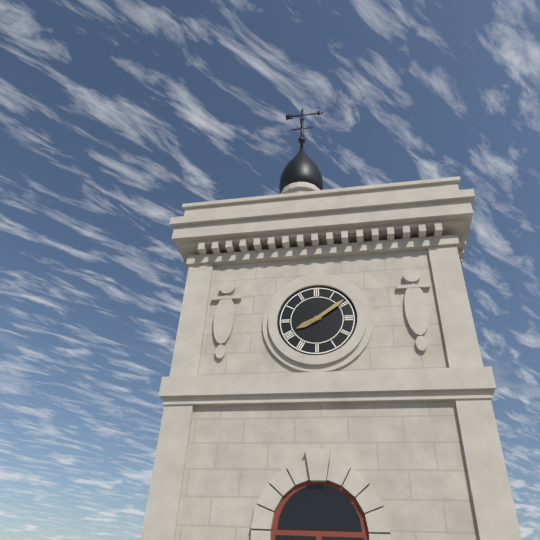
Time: 8h09
